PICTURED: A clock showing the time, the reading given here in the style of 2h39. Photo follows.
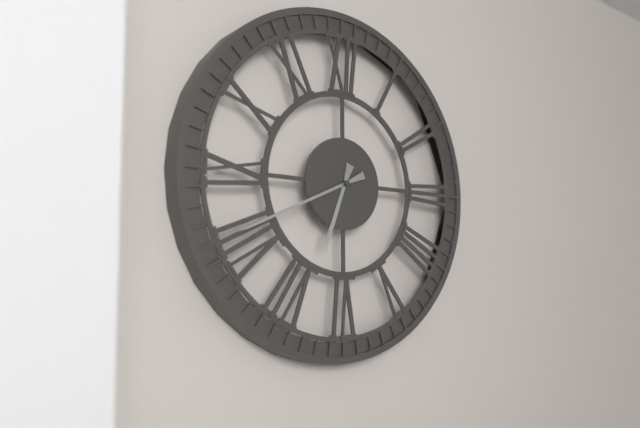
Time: 6h41
